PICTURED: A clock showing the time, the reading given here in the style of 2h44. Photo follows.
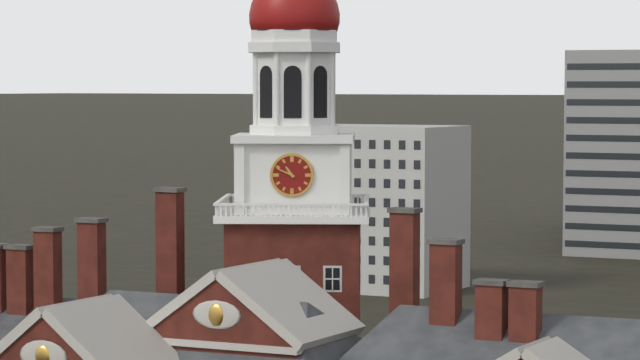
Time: 10h49
